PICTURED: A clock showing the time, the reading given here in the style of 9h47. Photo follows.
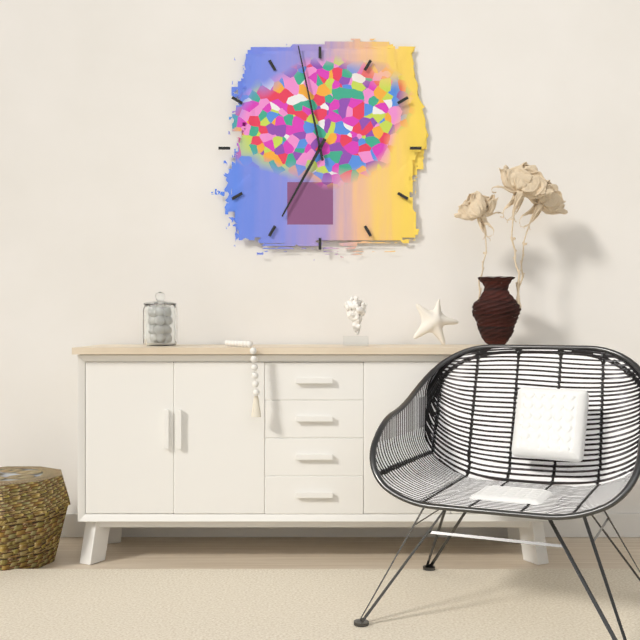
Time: 6h58
